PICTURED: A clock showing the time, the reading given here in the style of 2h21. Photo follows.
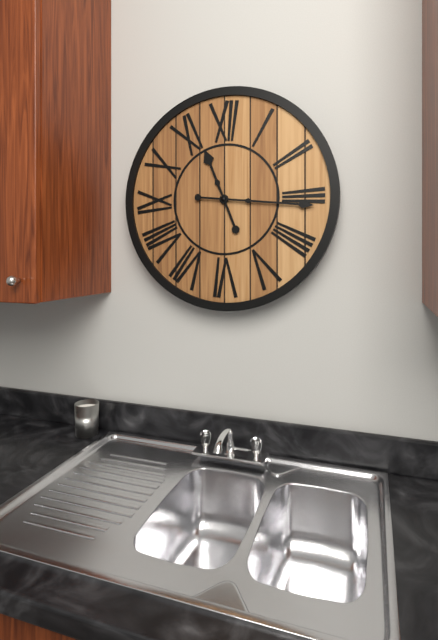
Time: 11h16
